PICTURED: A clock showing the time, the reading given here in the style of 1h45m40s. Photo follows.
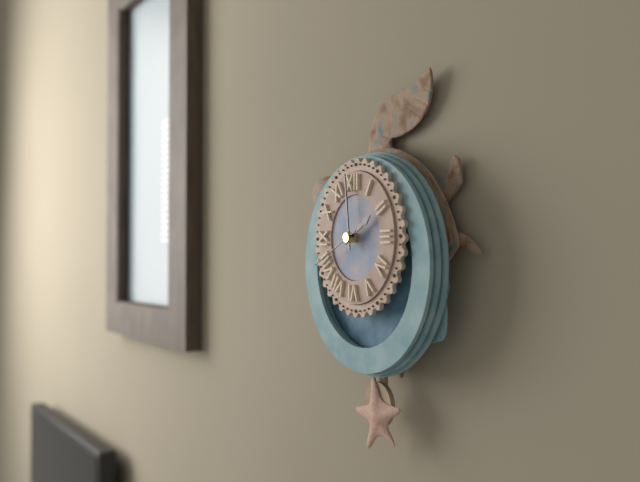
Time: 1h59m41s
